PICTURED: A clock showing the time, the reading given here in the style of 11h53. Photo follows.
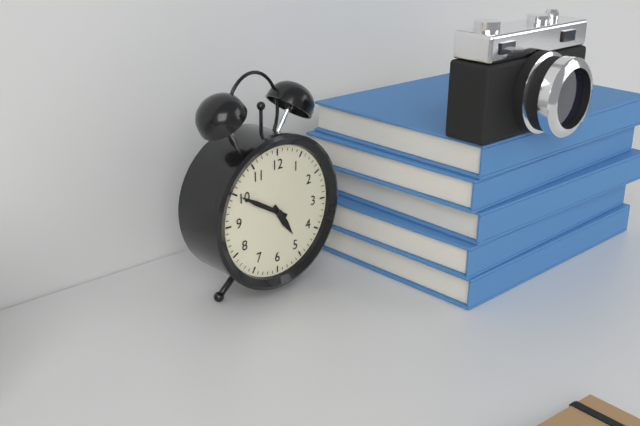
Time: 4h50
